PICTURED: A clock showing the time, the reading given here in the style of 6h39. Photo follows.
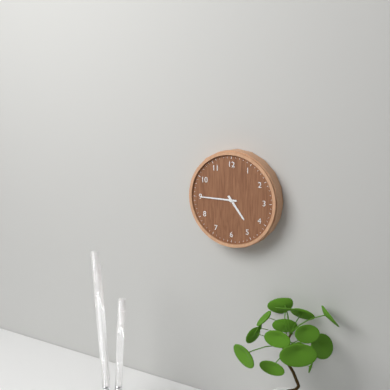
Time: 4h45
